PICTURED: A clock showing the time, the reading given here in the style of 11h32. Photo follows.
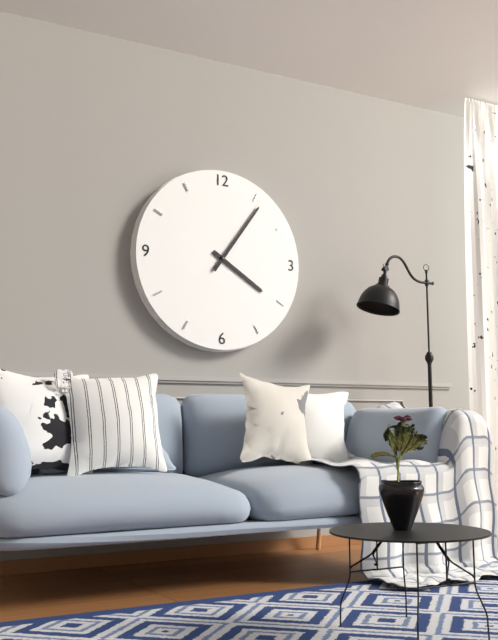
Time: 4h06
